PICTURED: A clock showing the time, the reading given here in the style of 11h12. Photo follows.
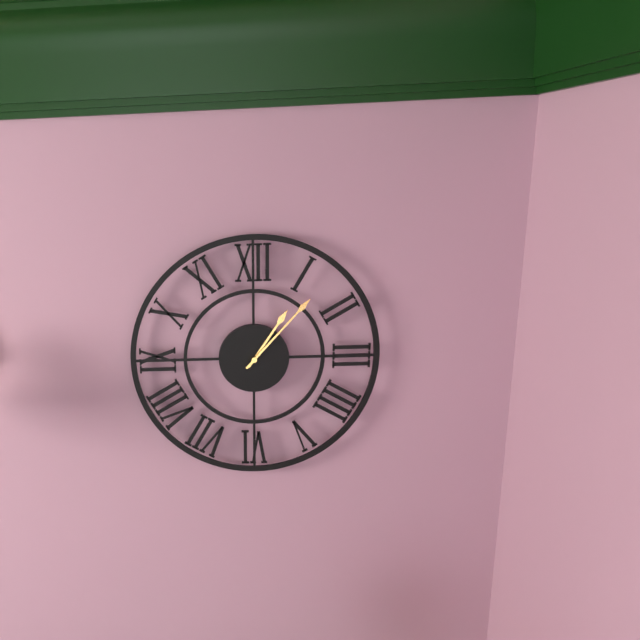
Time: 1h07
